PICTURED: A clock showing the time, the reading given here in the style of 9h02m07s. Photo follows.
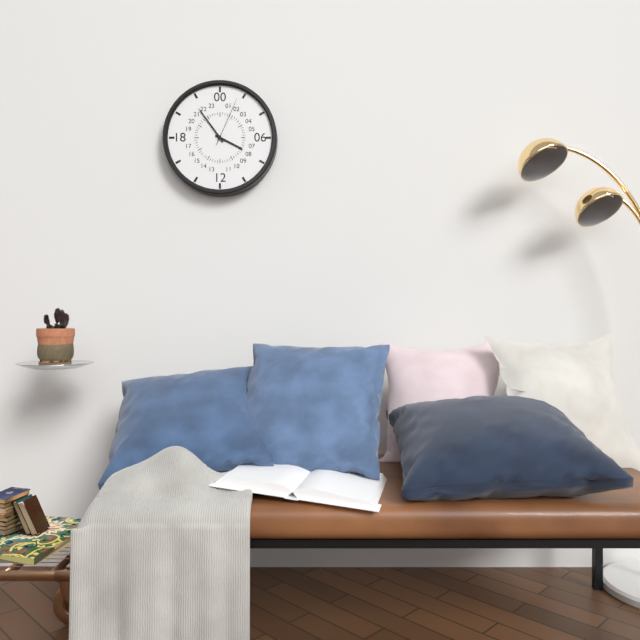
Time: 3h54m04s
